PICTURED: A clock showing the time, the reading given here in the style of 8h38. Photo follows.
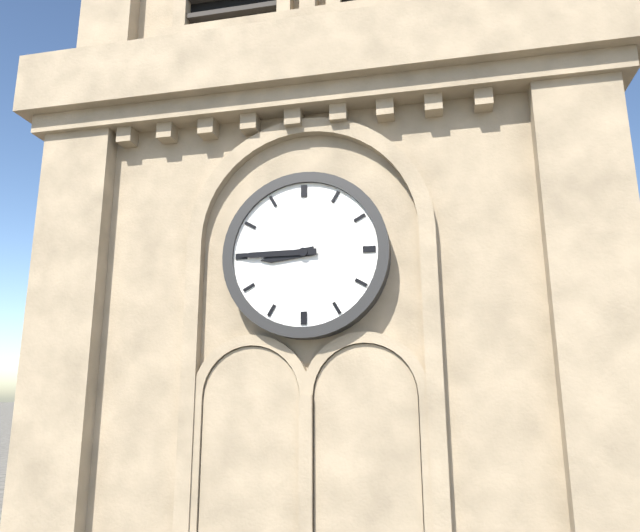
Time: 8h45
